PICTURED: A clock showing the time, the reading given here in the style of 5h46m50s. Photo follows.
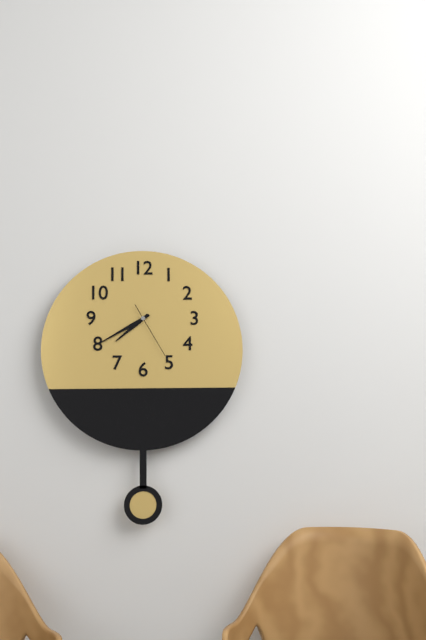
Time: 7h40m25s
